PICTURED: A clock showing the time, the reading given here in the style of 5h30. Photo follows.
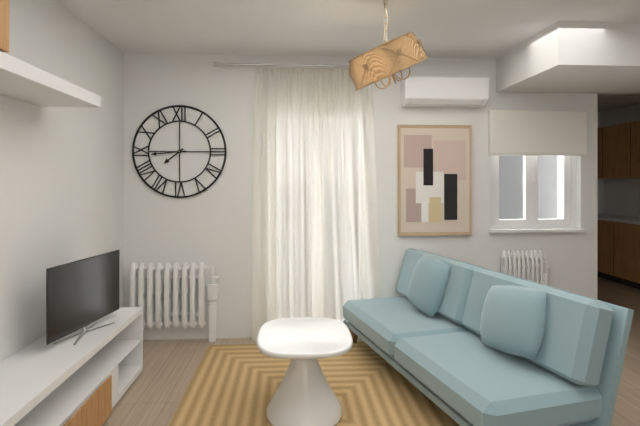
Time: 7h44
